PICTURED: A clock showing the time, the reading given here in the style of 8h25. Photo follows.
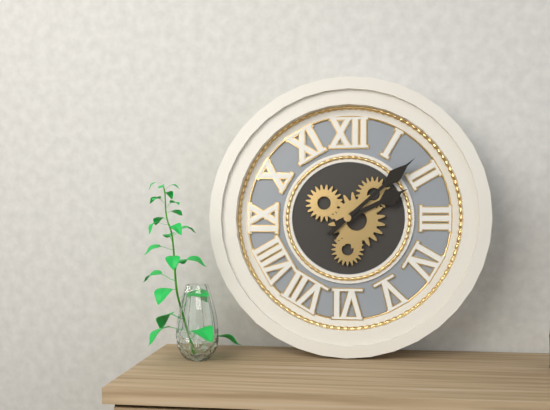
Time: 2h08
